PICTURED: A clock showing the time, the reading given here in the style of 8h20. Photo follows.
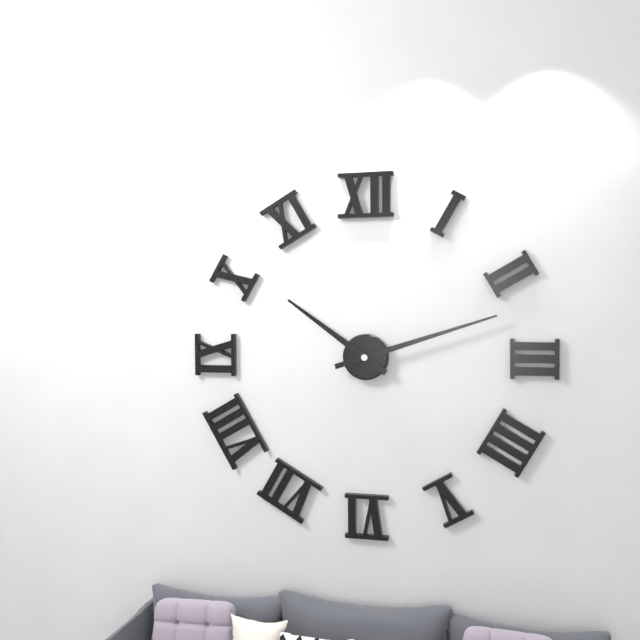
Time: 10h12
